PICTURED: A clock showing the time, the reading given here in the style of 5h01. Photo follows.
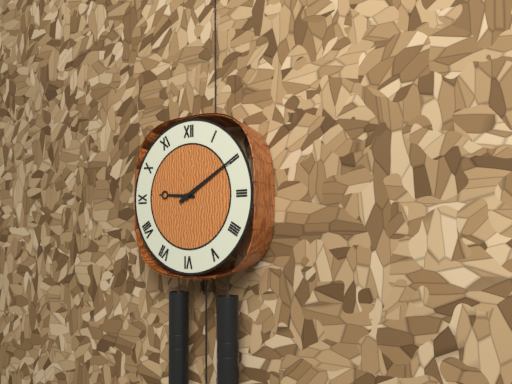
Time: 9h10
